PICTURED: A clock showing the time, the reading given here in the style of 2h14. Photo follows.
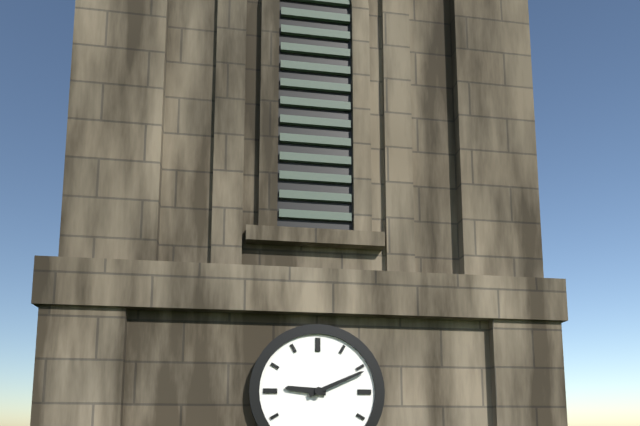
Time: 9h11
